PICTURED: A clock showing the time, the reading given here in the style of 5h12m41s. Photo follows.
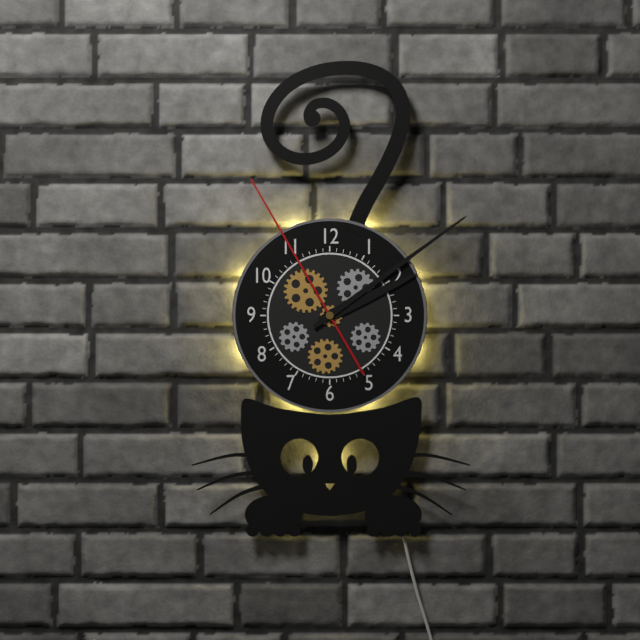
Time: 2h09m55s
